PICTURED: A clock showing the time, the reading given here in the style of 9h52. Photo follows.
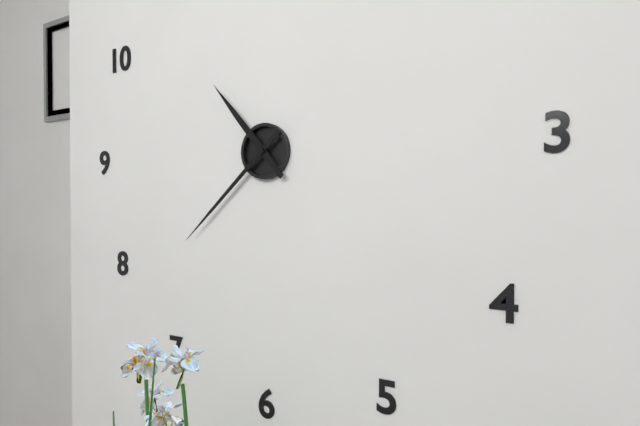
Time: 10h38
